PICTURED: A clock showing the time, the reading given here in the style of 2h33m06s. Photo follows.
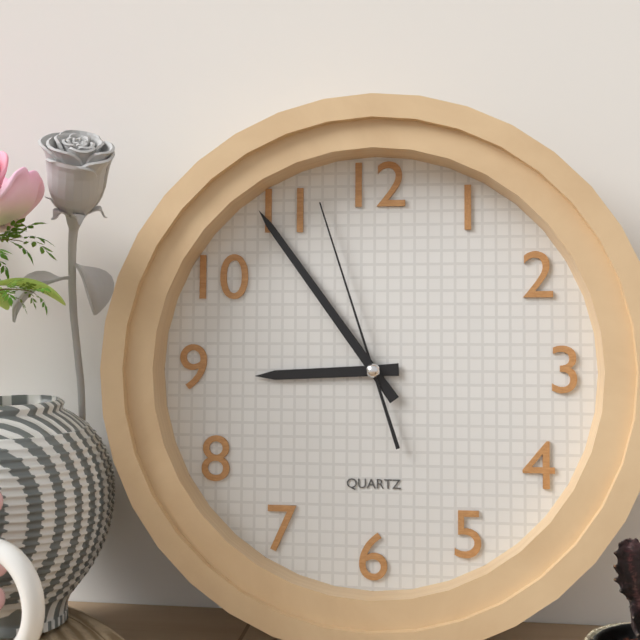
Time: 8h54m57s
